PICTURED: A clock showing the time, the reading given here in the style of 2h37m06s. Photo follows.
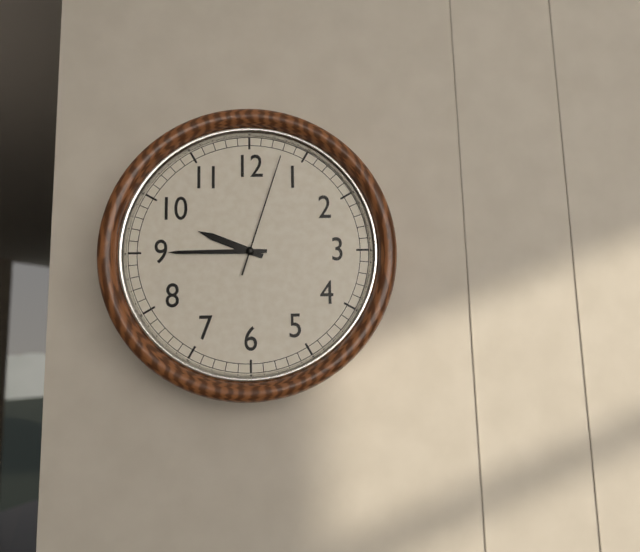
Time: 9h45m03s
